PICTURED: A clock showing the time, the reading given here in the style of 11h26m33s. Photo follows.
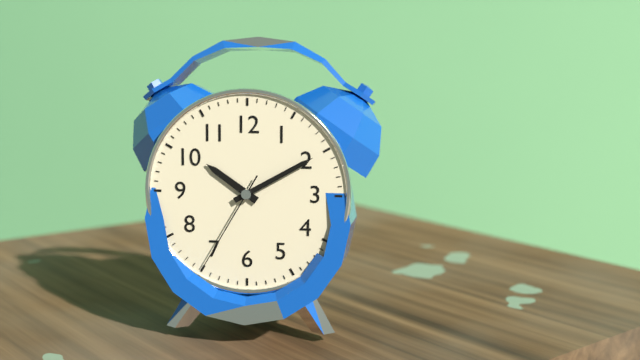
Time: 10h10m35s
